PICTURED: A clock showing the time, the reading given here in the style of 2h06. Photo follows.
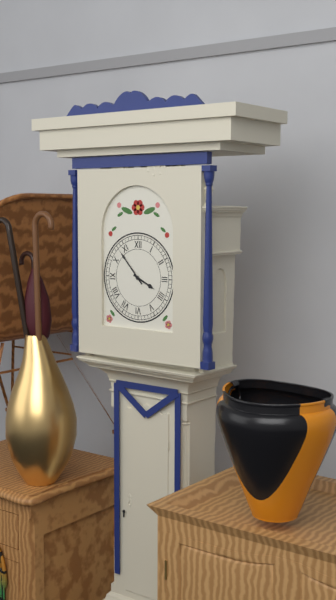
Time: 3h53
